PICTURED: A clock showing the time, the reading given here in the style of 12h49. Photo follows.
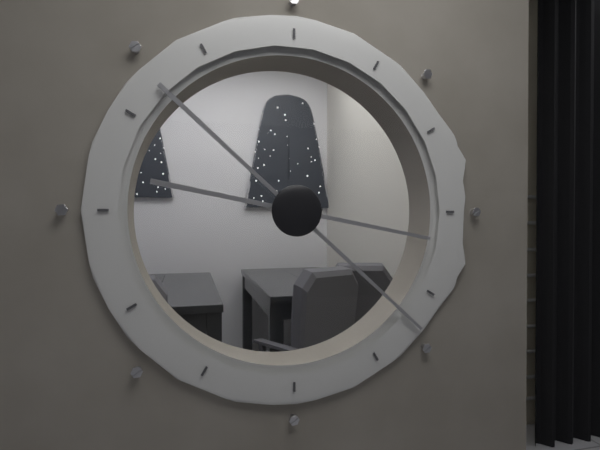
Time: 3h22
